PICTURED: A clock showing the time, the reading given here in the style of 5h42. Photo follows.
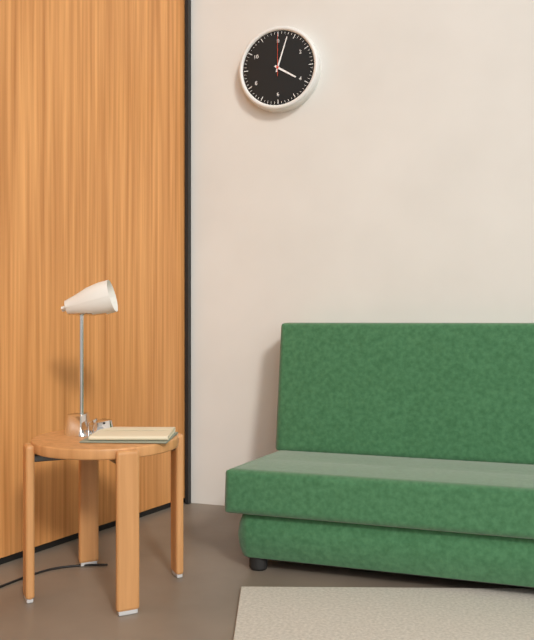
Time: 4h03
